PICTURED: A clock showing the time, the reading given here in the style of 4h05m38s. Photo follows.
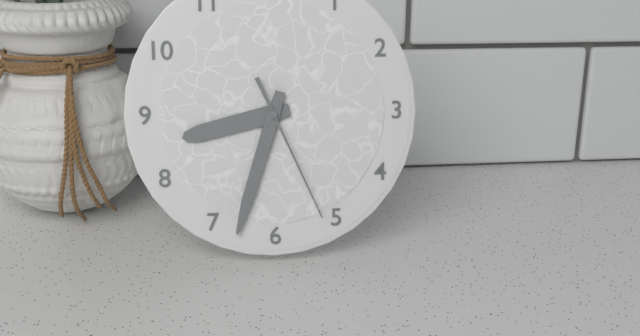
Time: 8h33m26s
